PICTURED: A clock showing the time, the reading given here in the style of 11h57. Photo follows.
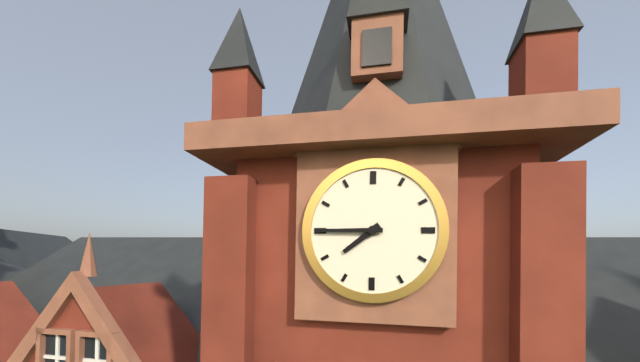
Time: 7h45
